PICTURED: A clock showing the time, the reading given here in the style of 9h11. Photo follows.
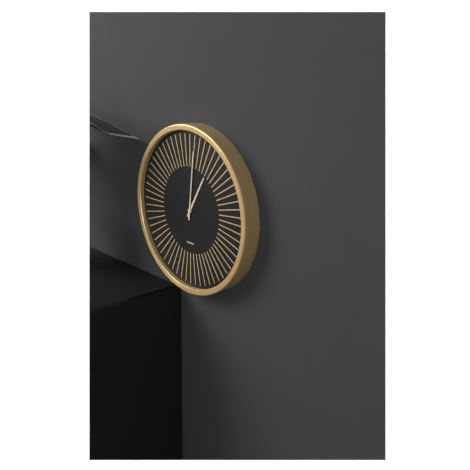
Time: 1h01
